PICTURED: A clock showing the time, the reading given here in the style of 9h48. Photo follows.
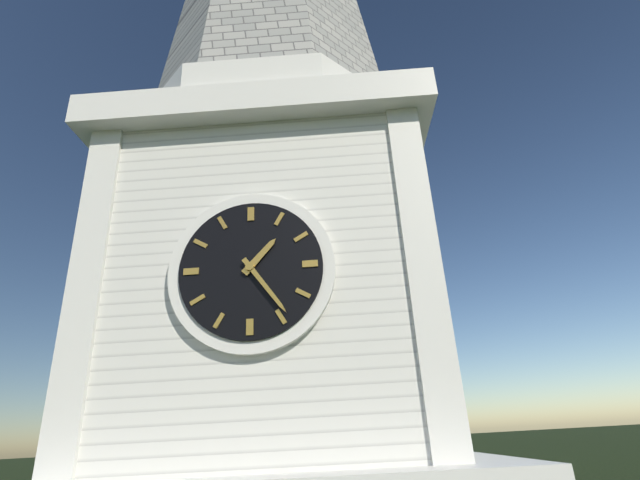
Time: 1h24
